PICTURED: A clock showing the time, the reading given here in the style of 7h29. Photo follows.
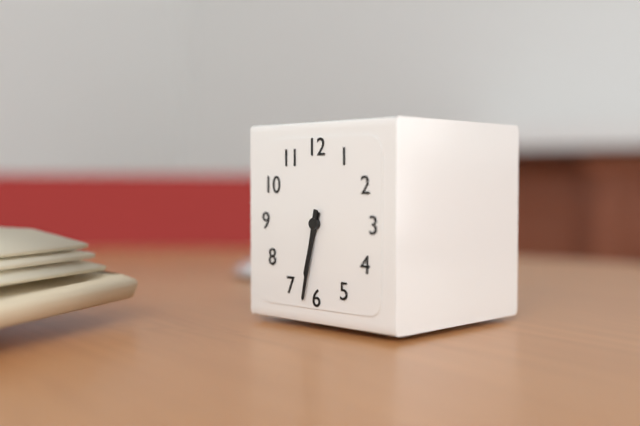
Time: 6h32
